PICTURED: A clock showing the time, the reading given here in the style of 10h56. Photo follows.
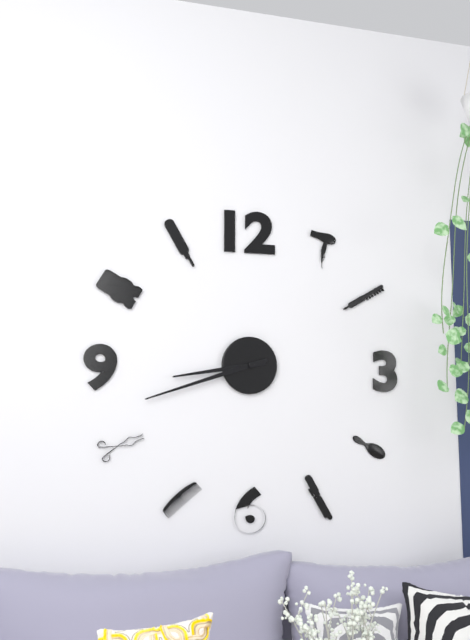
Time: 8h42
